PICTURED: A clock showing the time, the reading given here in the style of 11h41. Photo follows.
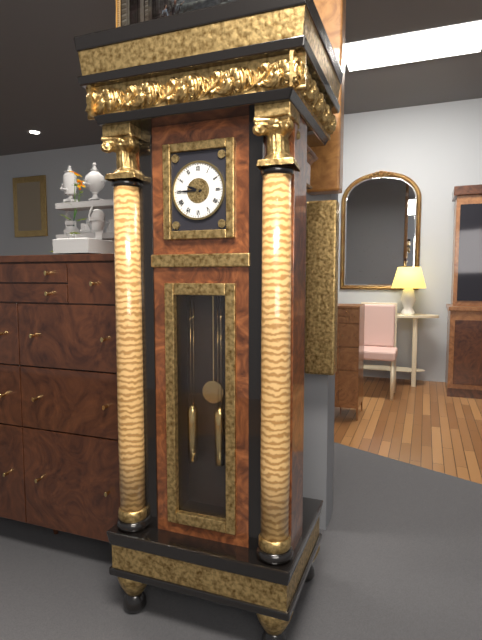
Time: 9h45
